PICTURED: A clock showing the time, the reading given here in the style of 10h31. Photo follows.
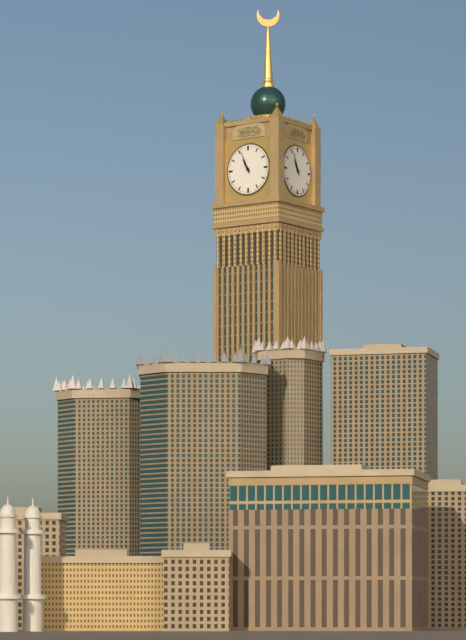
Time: 10h56
